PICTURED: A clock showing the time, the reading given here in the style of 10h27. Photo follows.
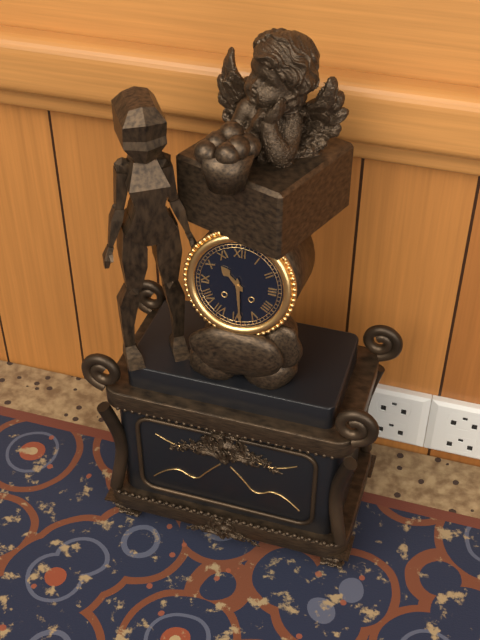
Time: 10h29
